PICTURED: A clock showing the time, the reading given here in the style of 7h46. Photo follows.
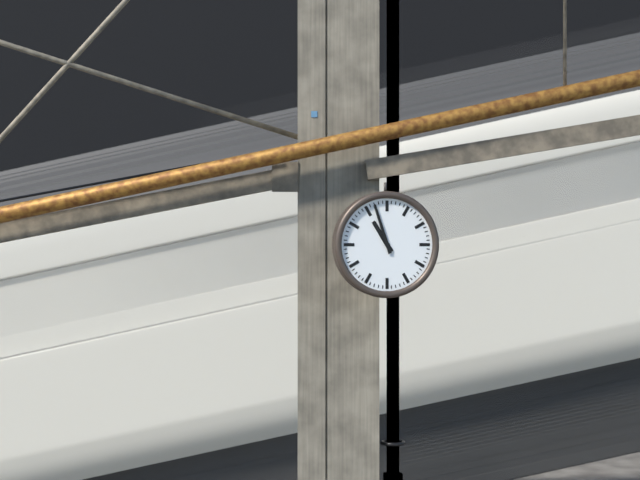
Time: 10h57
